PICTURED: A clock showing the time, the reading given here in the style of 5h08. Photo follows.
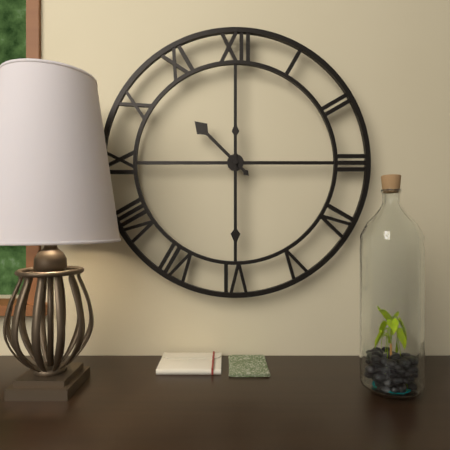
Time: 10h30
